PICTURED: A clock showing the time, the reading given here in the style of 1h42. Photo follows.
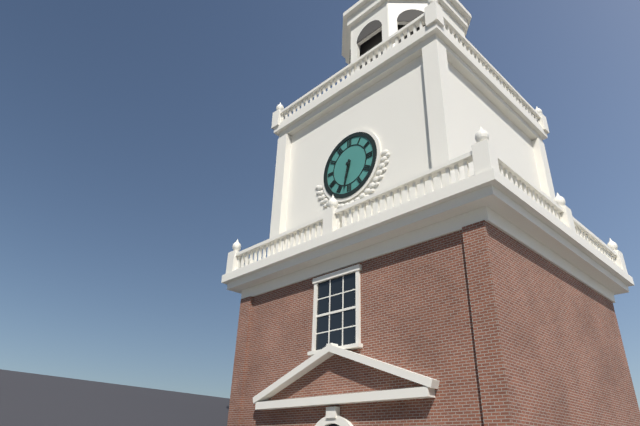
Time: 6h32
